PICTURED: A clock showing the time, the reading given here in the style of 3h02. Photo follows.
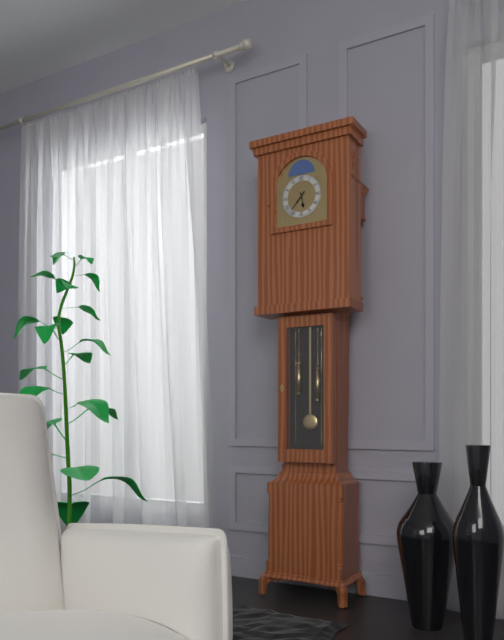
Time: 5h37
